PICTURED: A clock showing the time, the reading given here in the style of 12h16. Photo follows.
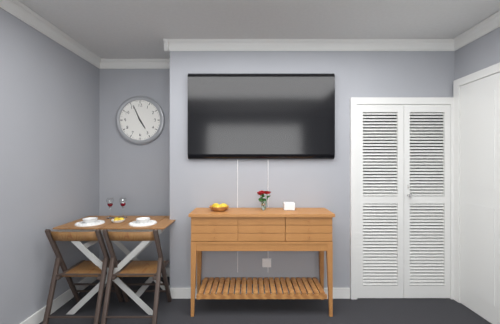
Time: 4h56
